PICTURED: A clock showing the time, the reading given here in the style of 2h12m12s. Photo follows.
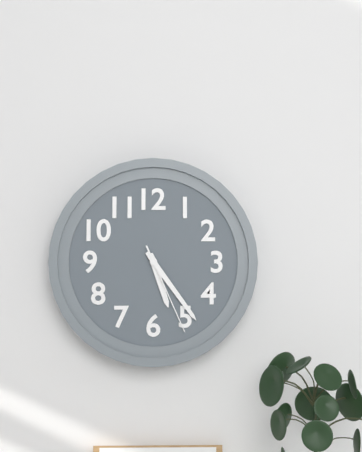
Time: 5h24m26s
